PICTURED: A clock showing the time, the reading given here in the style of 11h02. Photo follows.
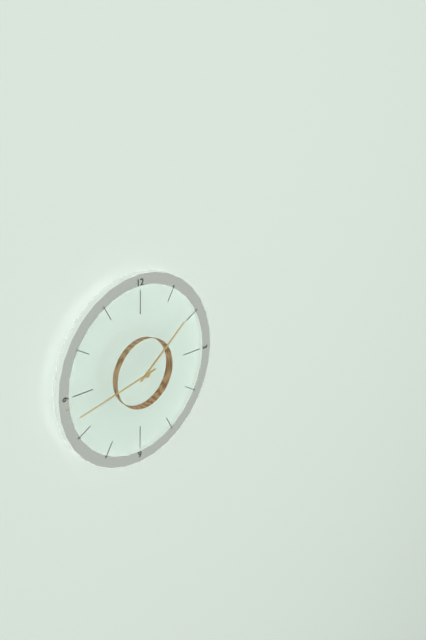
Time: 1h43
